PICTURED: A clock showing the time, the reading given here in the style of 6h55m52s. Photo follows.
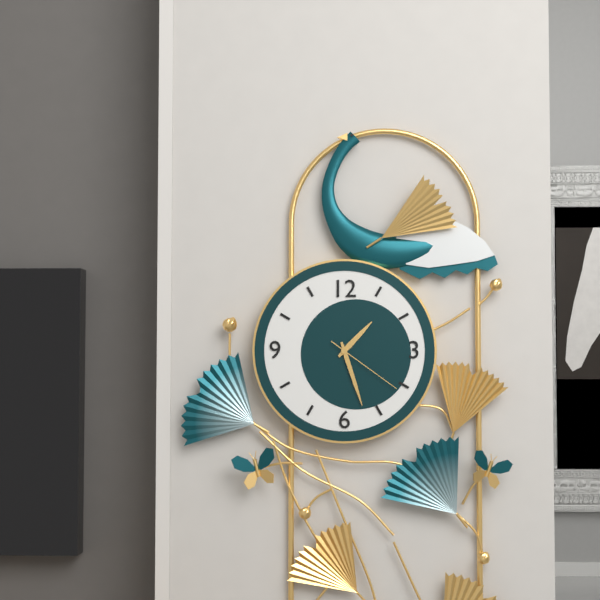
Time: 1h27m21s
